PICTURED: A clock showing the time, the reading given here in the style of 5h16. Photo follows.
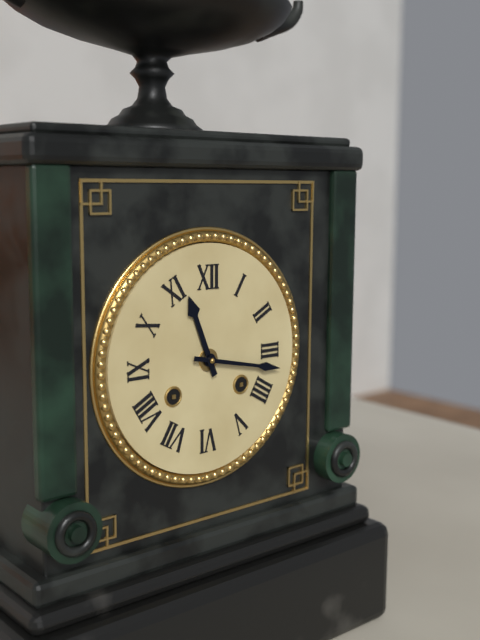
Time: 11h17
